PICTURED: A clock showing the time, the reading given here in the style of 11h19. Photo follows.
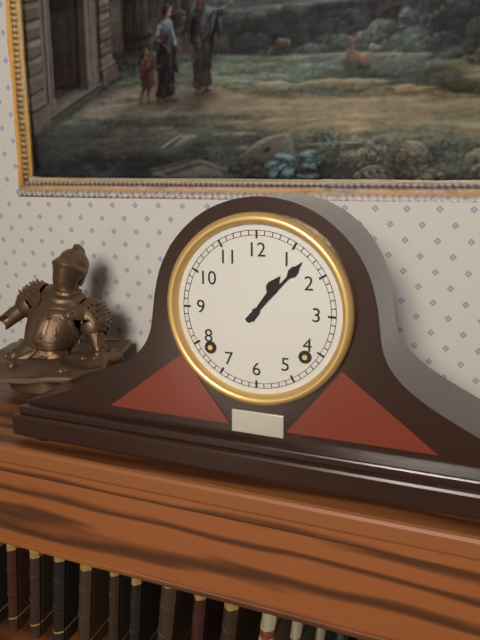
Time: 1h07
